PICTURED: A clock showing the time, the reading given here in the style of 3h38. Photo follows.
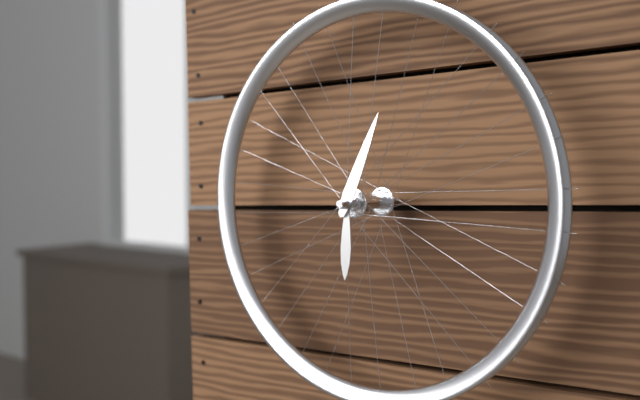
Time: 6h04
